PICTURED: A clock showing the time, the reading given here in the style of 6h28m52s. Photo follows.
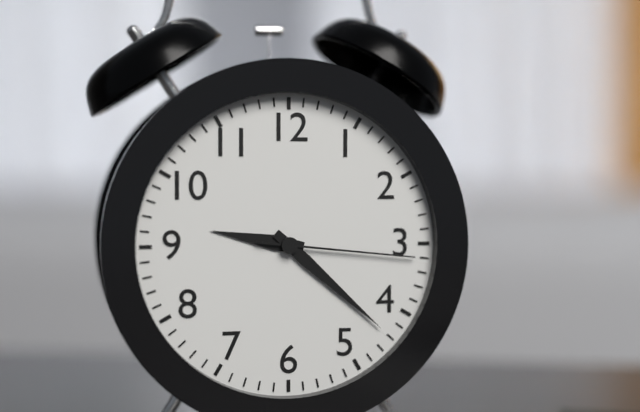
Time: 9h22m16s
